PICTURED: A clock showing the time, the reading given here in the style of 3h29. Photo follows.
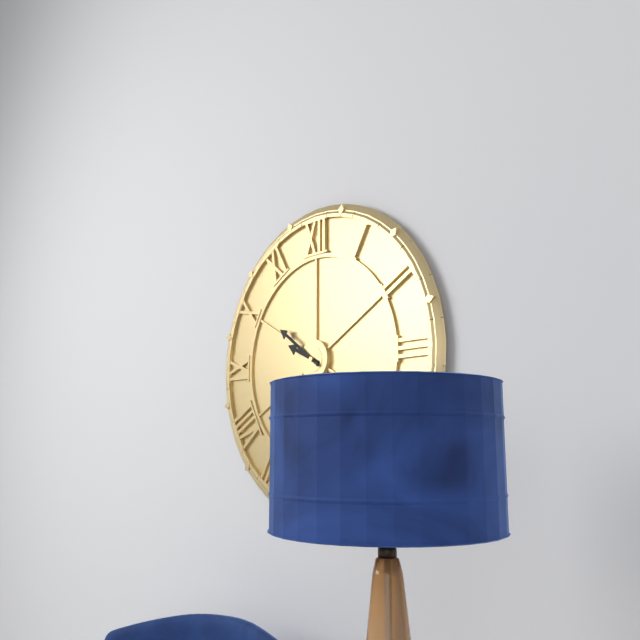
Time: 9h51
